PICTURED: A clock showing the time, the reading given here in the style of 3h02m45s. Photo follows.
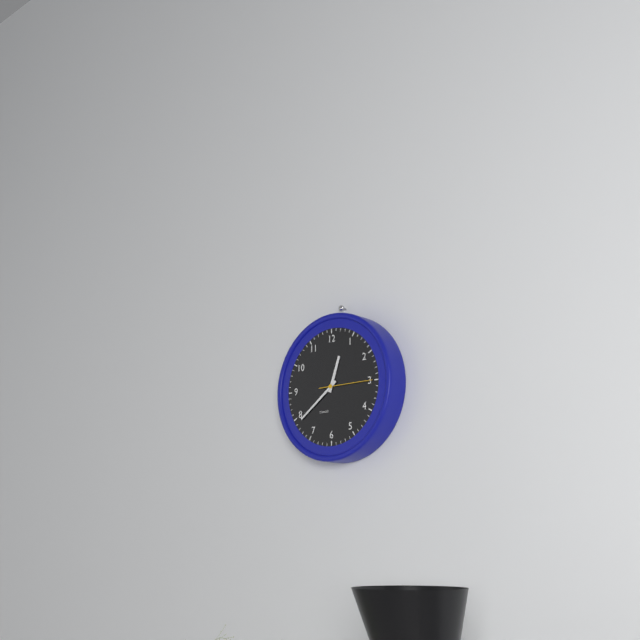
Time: 12h39m15s
